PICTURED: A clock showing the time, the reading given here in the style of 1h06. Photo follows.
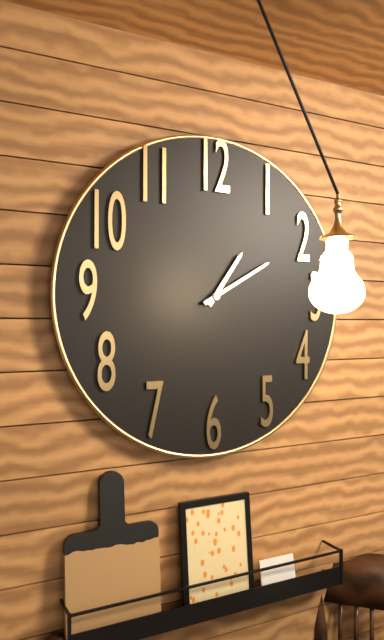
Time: 1h10
